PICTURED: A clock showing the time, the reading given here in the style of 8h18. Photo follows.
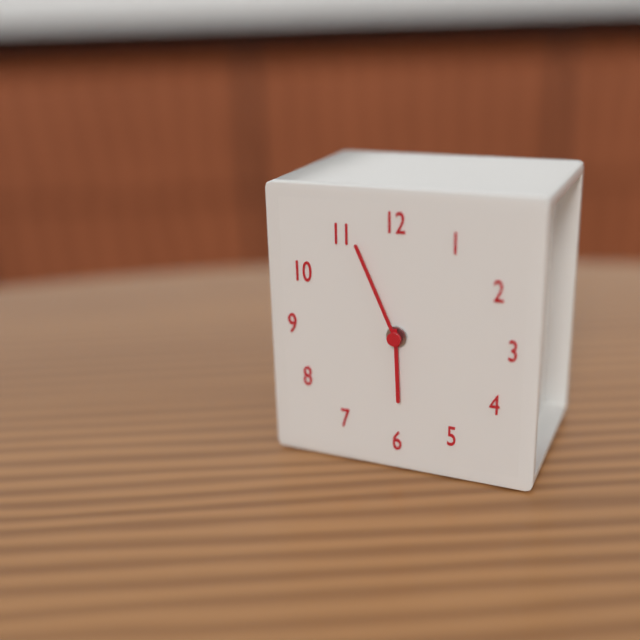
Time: 5h56
